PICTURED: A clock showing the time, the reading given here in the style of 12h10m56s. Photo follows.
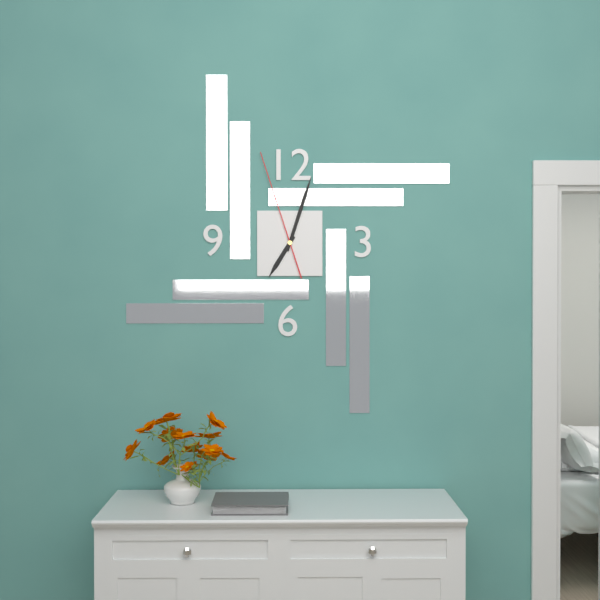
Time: 7h03m57s
